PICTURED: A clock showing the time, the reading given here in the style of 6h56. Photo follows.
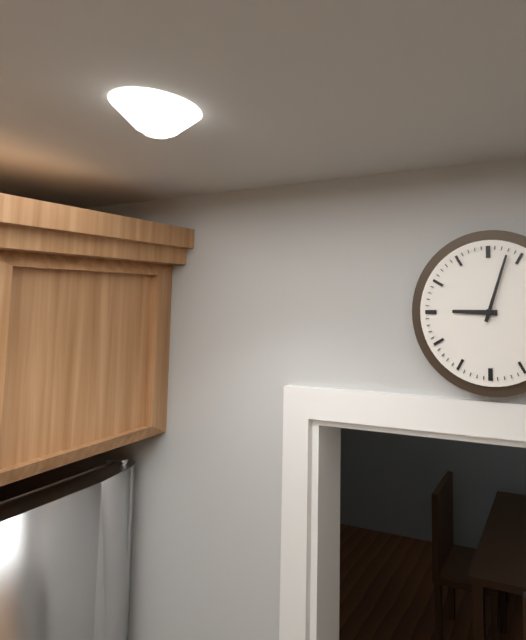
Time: 9h03
